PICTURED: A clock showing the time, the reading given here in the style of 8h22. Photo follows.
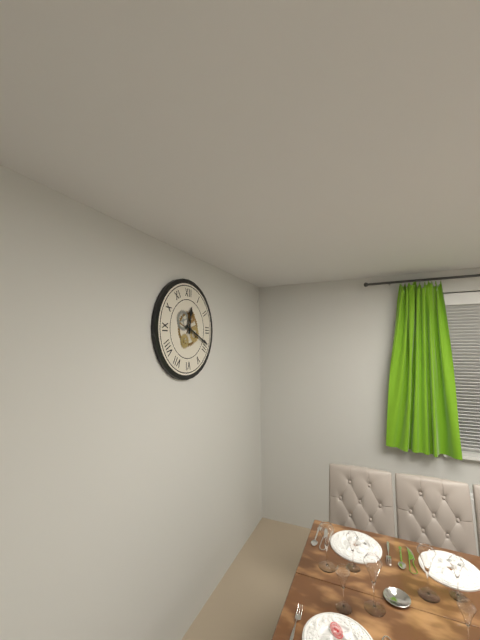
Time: 12h19
